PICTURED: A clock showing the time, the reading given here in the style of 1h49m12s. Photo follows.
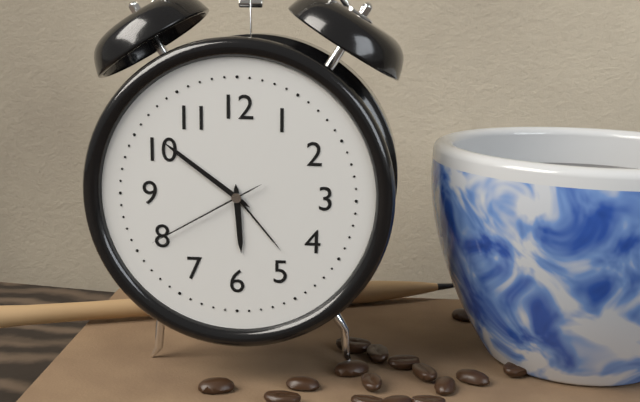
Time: 5h51m40s
